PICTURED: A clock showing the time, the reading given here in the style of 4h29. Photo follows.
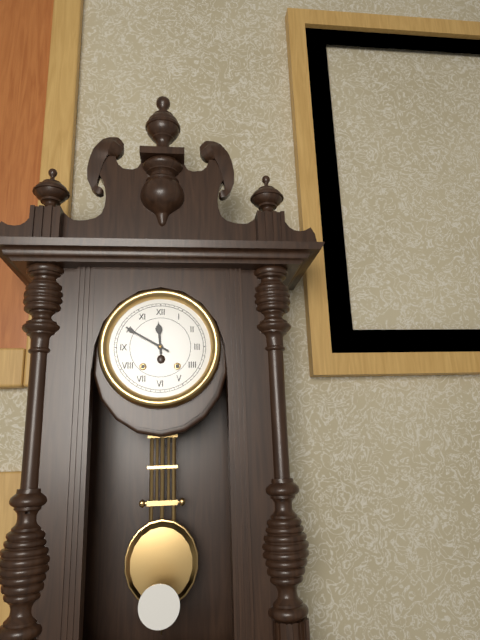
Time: 11h50
